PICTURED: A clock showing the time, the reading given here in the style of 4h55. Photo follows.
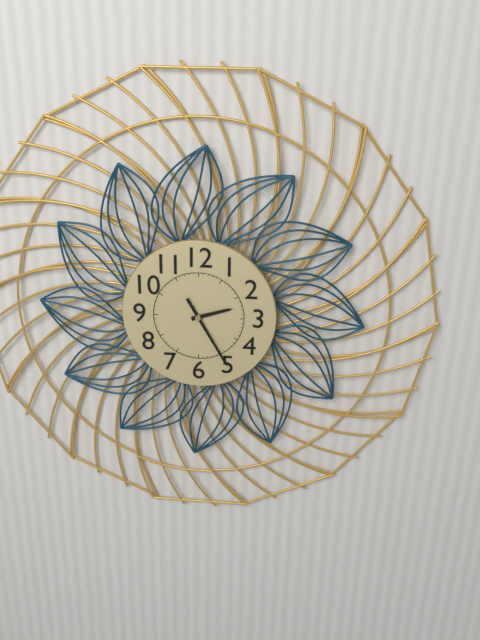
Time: 2h25
